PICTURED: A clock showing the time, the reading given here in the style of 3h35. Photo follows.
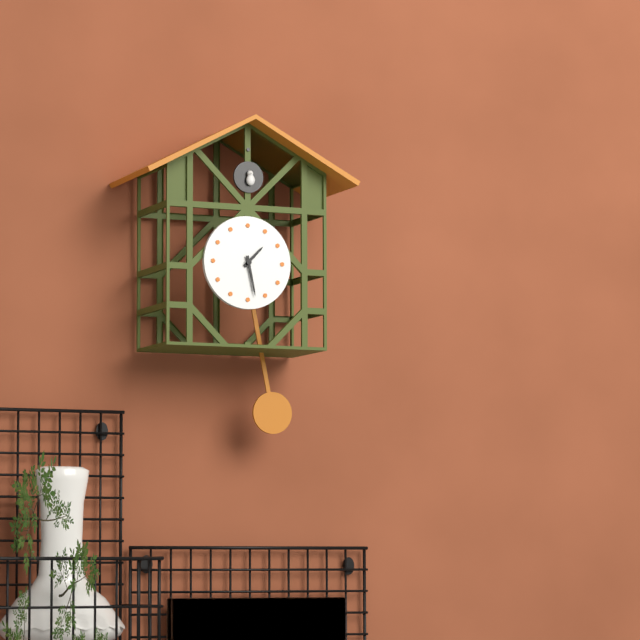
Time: 1h28
